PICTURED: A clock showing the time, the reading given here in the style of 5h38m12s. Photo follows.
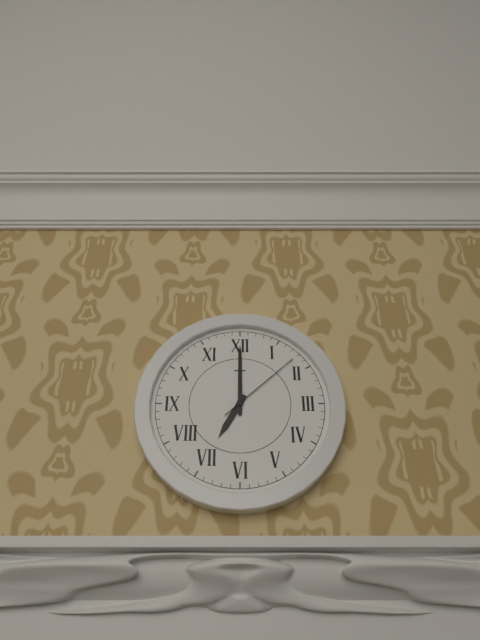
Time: 7h00m08s
